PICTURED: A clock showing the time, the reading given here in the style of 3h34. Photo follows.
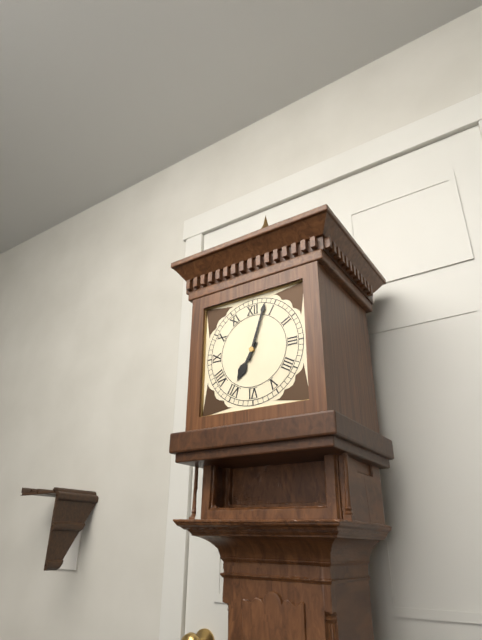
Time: 7h03
